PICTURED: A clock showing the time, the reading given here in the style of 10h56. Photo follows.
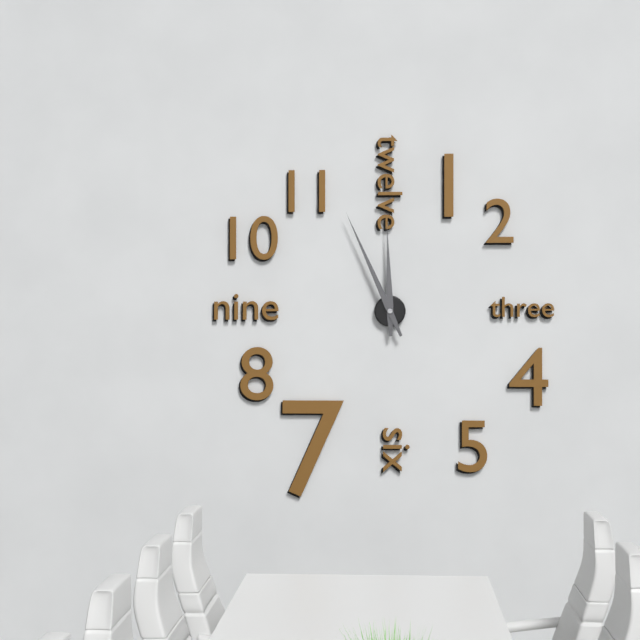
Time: 11h56
